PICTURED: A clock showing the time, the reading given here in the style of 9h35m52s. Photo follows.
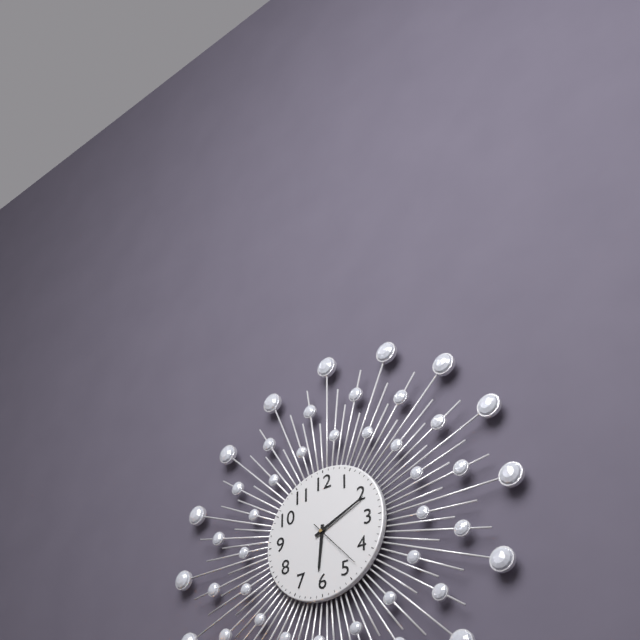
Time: 6h11m23s
